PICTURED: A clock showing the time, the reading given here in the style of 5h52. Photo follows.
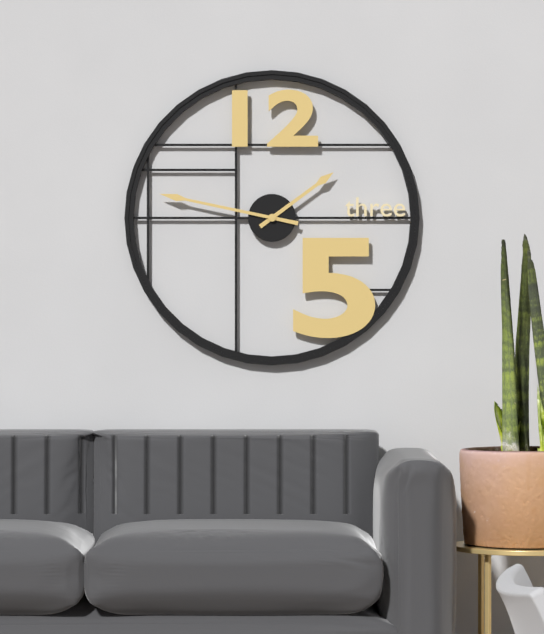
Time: 1h47
